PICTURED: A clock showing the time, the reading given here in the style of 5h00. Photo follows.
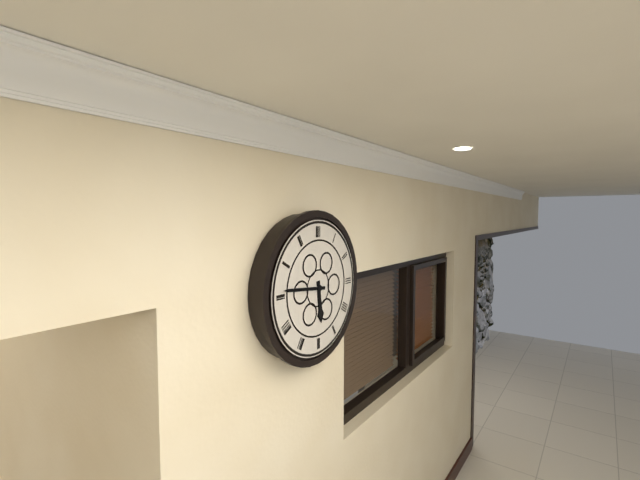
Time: 5h46
